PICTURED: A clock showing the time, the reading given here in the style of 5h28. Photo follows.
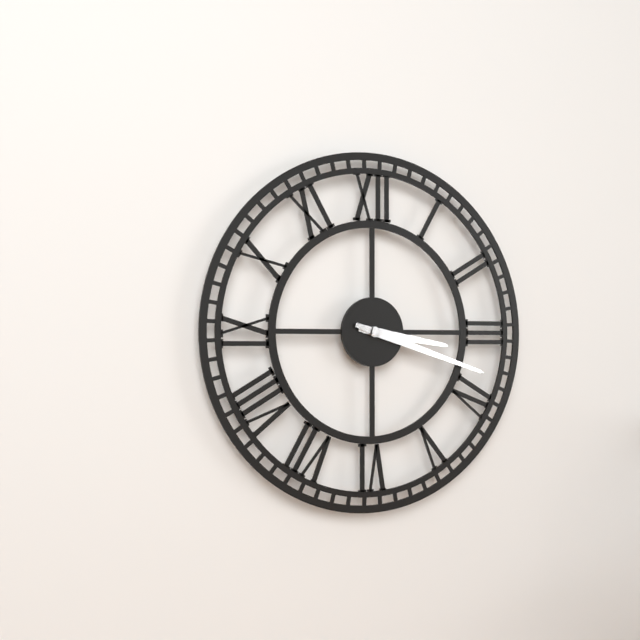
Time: 3h18
